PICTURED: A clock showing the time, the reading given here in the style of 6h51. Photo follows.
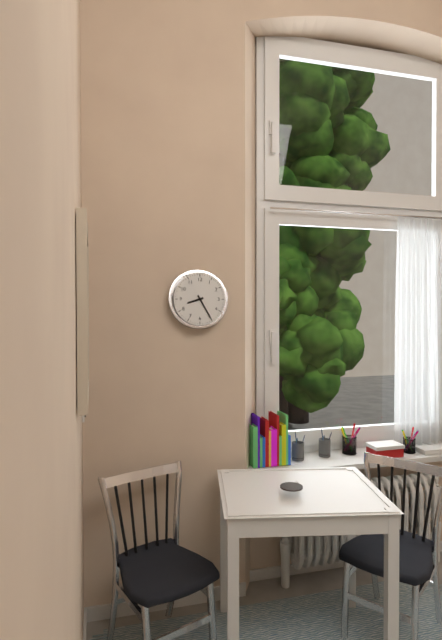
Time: 8h25
